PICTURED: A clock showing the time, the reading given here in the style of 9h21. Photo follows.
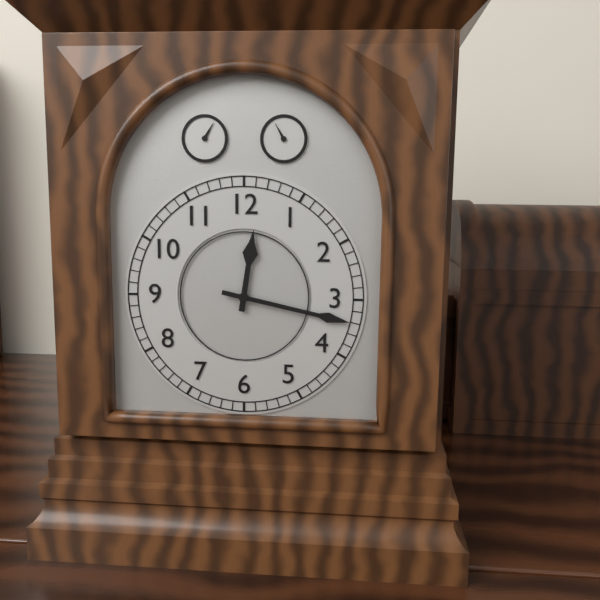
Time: 12h17
